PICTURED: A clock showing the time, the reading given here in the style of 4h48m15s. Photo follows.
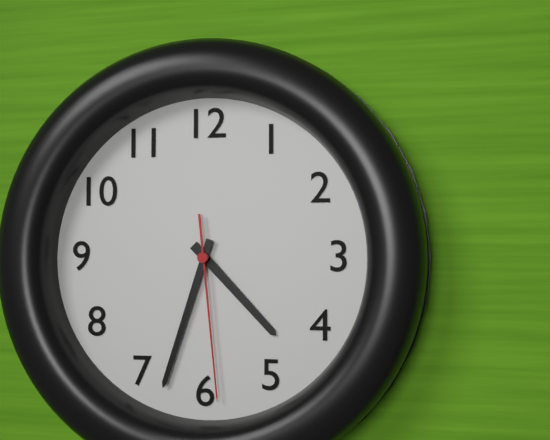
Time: 4h33m29s
